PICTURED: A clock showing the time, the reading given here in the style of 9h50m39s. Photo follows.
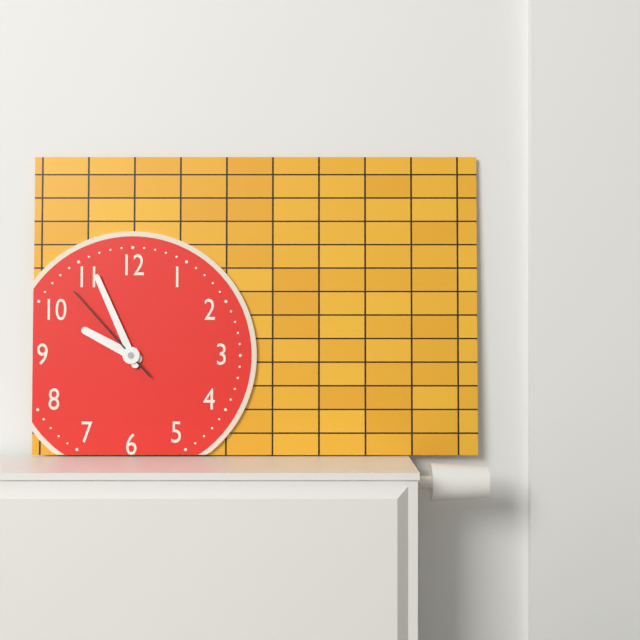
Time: 9h56m53s
